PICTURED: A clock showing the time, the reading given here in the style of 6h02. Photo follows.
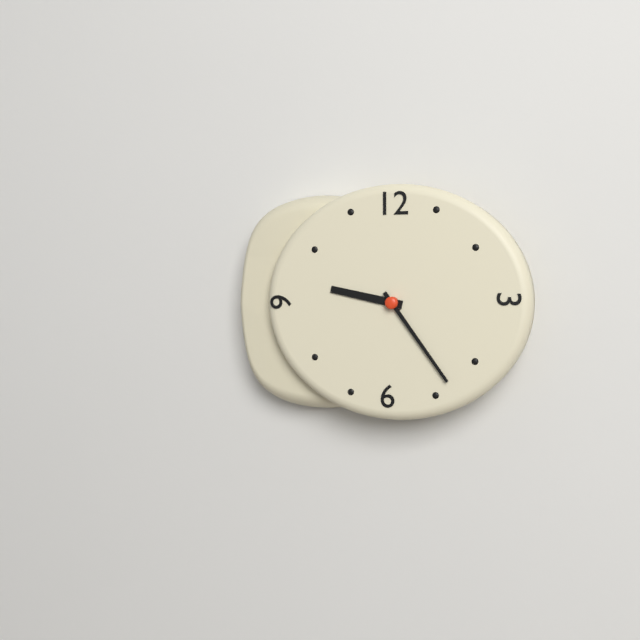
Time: 9h24
